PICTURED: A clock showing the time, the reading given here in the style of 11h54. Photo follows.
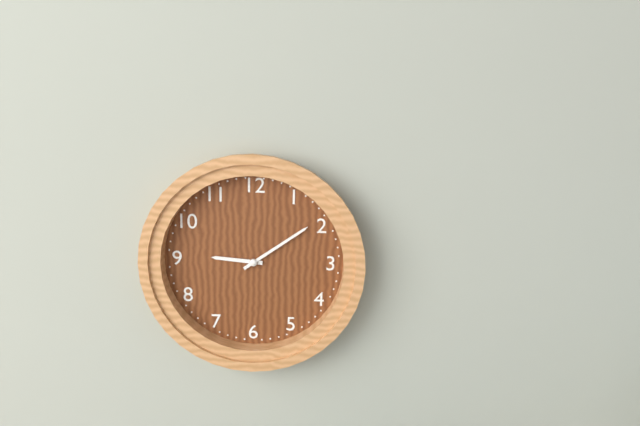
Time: 9h09
